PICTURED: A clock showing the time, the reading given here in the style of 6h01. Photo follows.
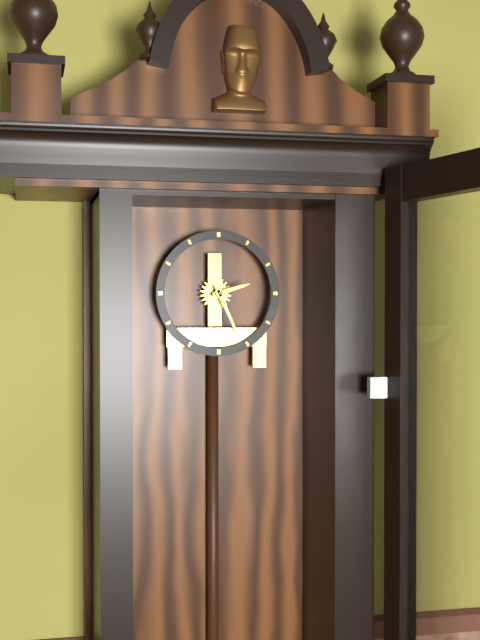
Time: 2h26
